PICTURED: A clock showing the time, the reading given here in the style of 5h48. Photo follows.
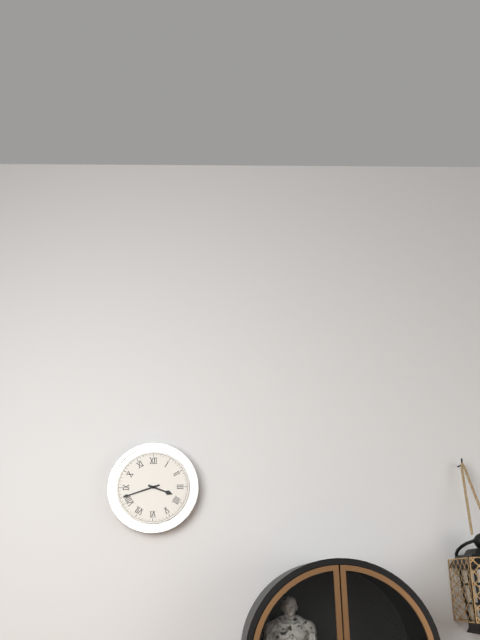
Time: 3h42
